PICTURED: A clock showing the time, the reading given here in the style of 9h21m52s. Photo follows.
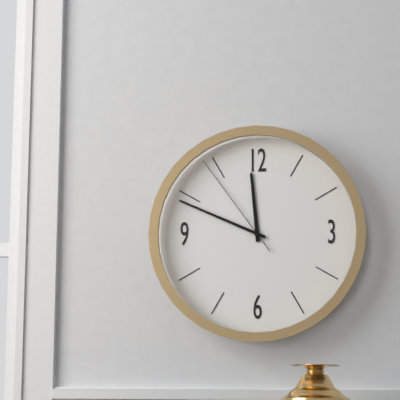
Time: 11h49m54s
